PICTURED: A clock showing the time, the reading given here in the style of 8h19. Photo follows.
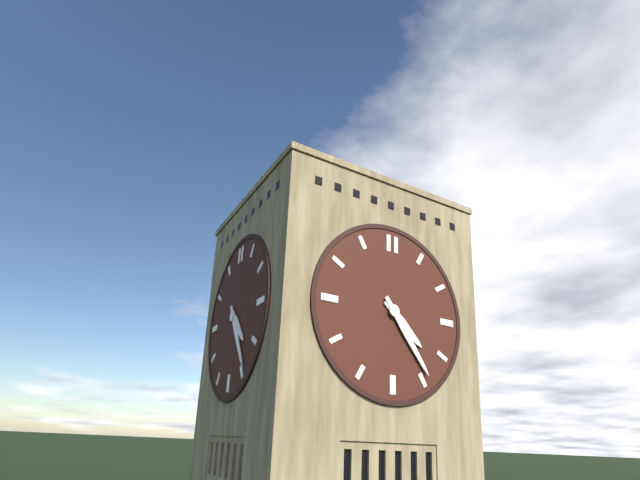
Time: 4h24
